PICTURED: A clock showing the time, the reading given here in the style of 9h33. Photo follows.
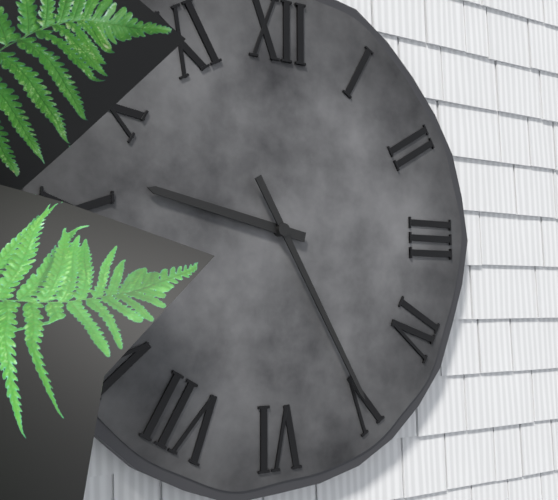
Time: 9h25
